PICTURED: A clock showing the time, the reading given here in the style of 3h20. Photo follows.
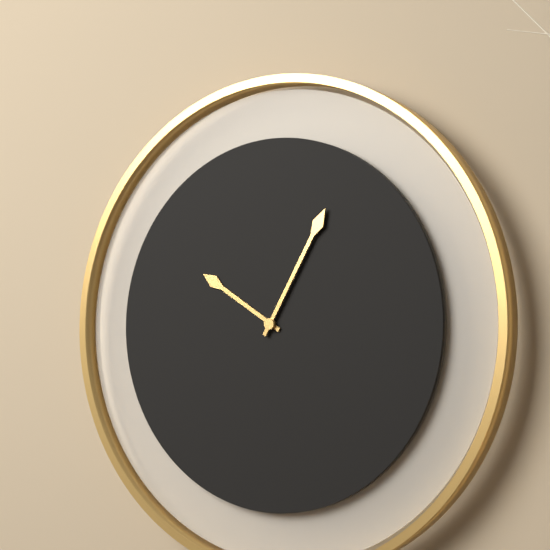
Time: 10h05
